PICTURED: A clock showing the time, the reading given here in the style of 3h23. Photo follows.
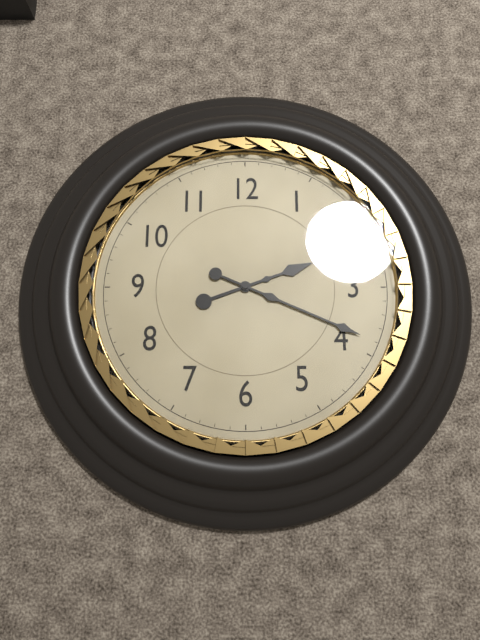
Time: 2h19
